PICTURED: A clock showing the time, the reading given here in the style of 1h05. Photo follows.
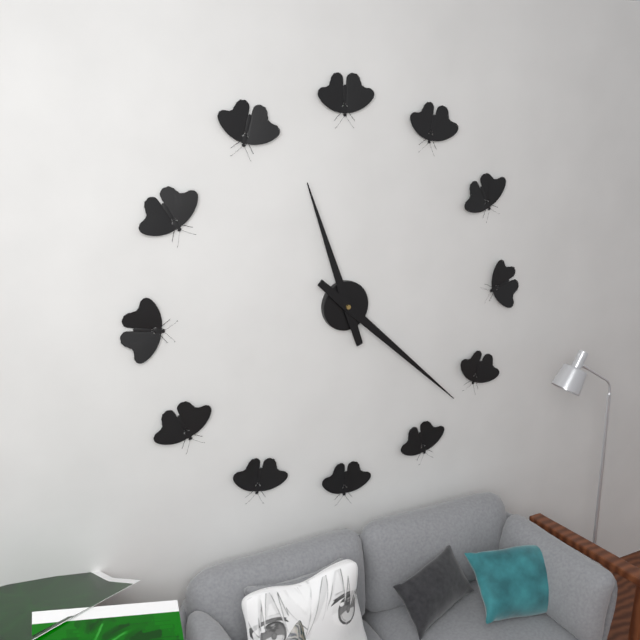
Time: 11h22
